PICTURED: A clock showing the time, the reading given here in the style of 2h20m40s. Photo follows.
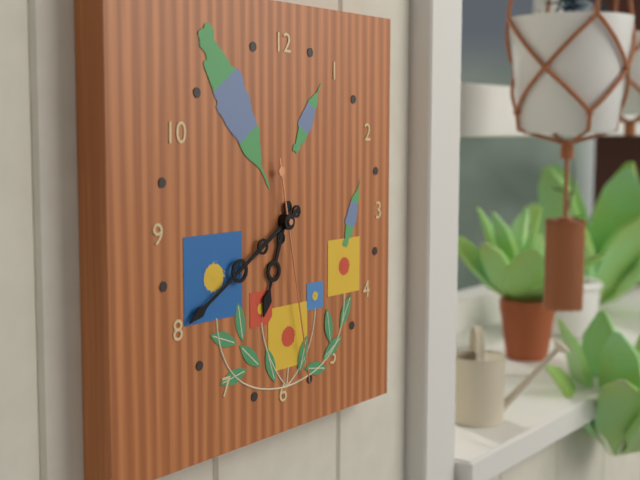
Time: 6h40m28s
